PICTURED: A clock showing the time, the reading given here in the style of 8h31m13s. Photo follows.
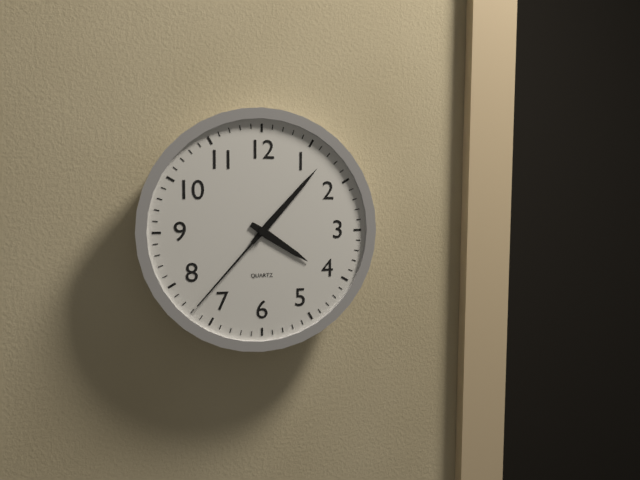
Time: 4h07m37s
